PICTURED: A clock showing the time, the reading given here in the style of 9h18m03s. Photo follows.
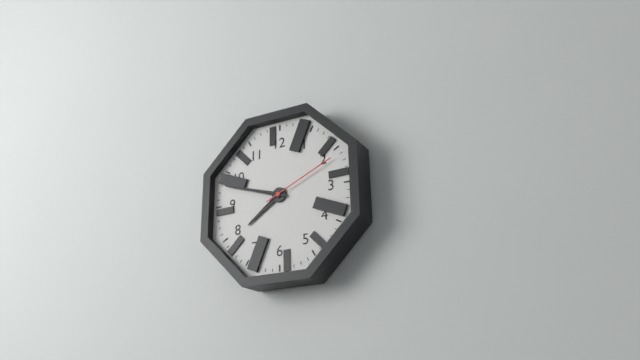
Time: 7h48m11s
